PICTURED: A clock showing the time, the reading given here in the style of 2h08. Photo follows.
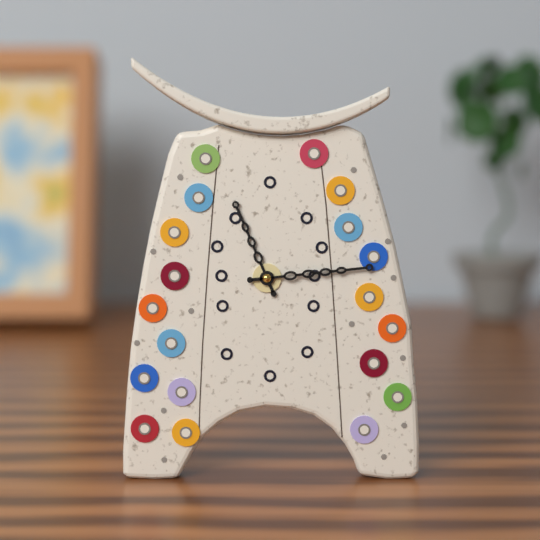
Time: 11h14
